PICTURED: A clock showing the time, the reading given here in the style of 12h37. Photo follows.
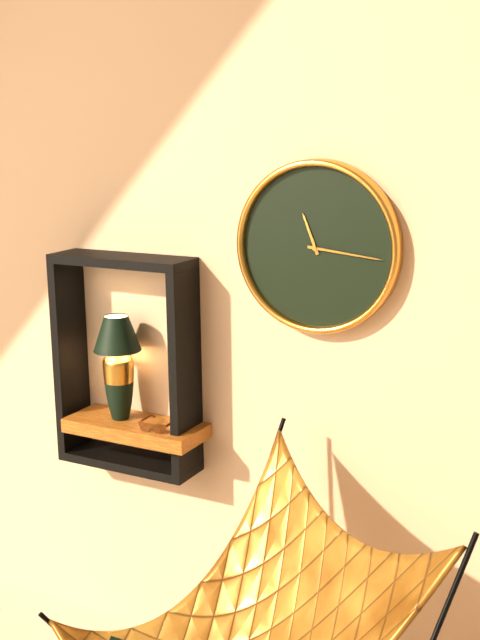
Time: 11h16
